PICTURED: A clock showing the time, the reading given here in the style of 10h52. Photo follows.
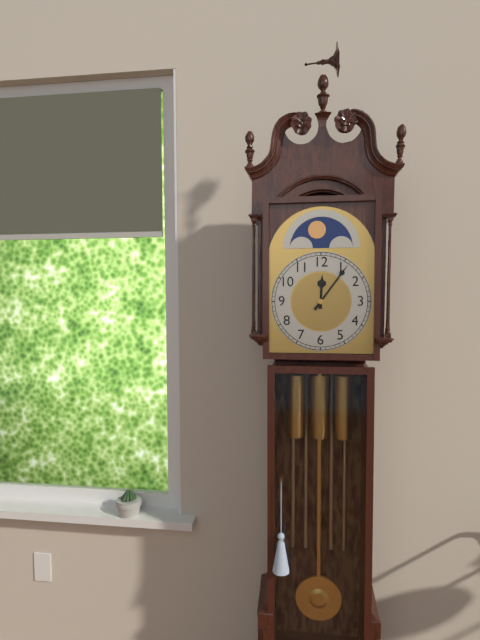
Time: 12h06
